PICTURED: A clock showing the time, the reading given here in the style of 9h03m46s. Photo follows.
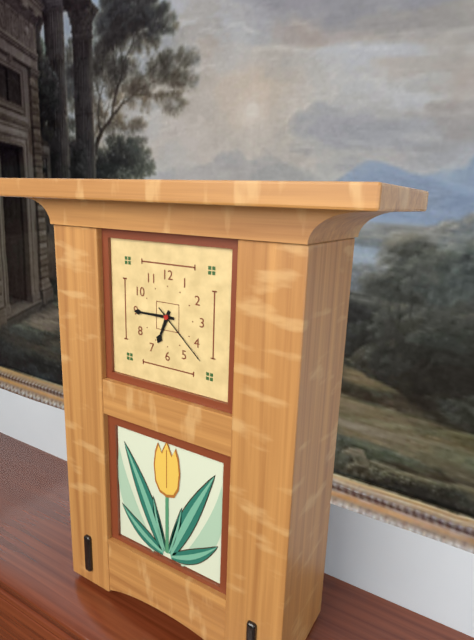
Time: 6h45m22s
